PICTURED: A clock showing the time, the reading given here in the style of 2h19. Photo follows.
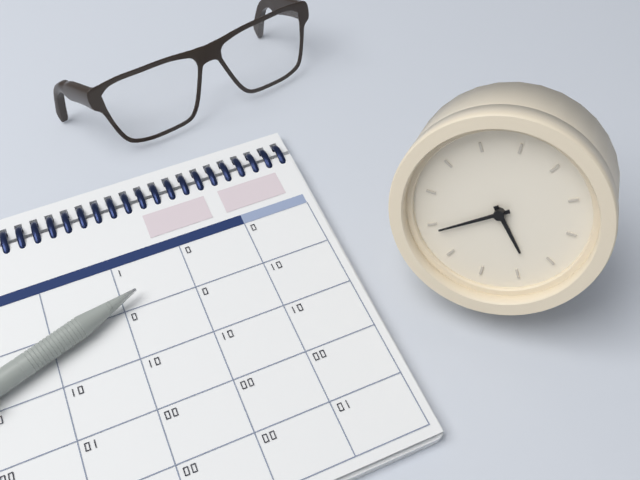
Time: 4h39
